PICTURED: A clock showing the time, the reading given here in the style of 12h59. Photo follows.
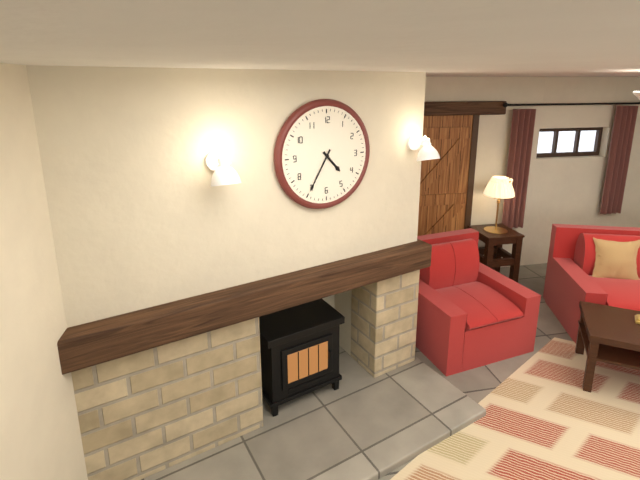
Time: 4h35
